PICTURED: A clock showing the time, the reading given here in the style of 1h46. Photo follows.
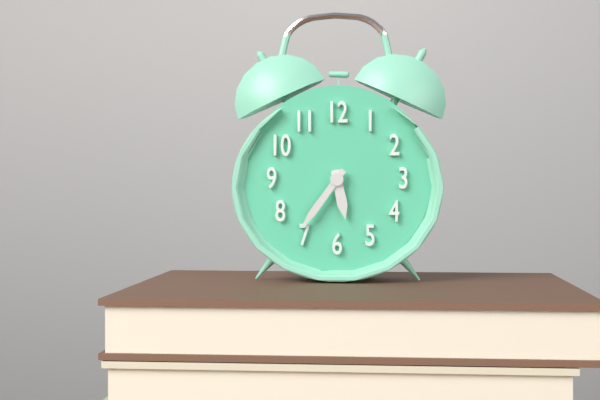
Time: 5h36
